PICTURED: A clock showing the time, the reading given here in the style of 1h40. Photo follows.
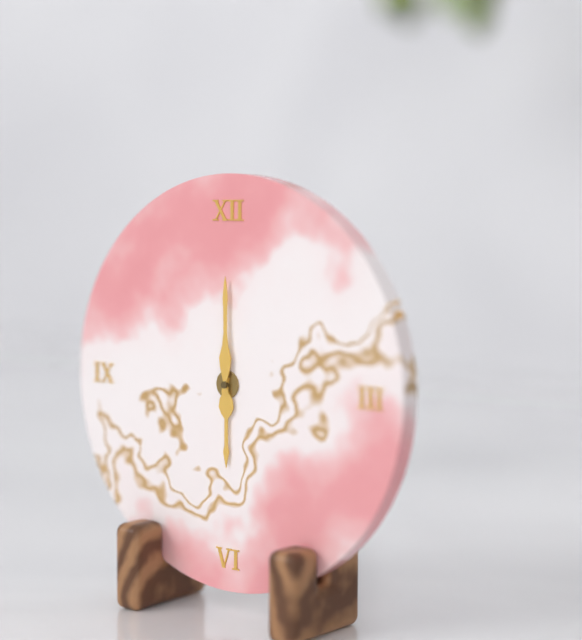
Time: 6h00
